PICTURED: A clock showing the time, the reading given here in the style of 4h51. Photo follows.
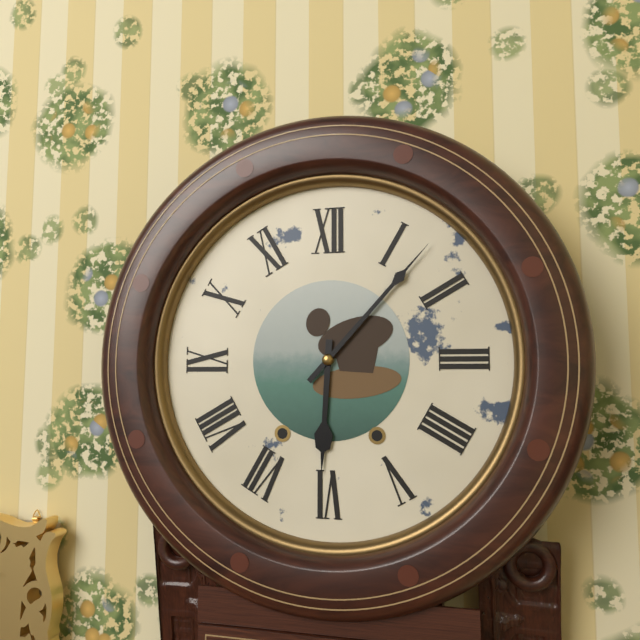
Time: 6h07
